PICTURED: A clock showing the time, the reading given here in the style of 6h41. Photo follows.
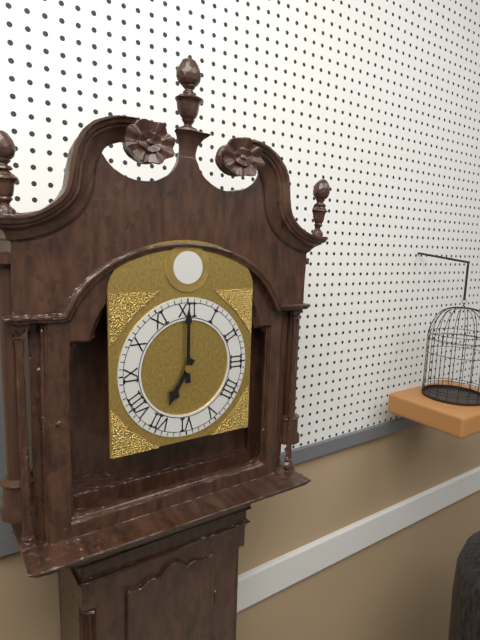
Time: 7h00
